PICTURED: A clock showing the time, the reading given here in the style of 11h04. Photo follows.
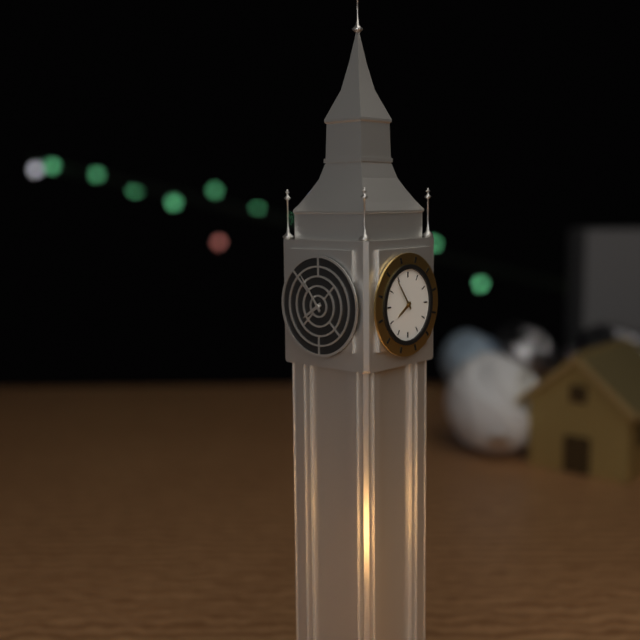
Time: 7h54
